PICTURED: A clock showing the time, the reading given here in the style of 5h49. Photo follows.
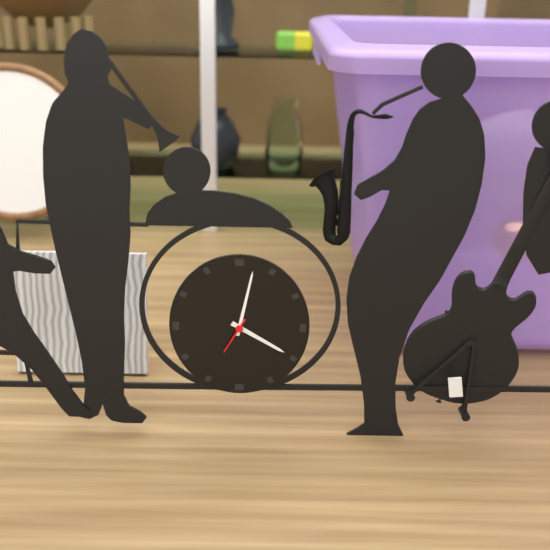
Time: 4h02
